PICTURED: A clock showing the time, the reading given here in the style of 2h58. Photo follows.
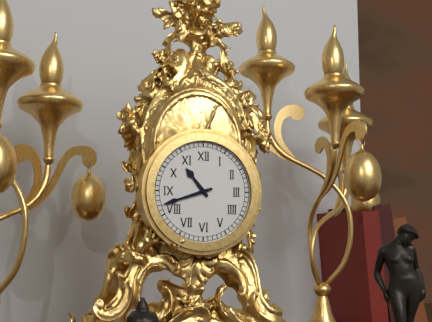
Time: 10h42
